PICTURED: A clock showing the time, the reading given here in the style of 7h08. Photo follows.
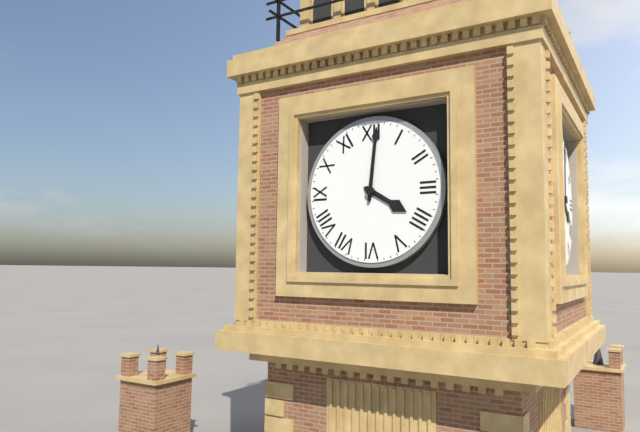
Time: 4h01
